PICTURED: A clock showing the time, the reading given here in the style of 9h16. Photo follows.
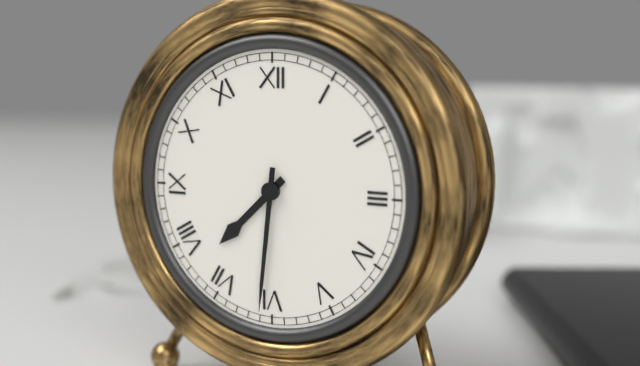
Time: 7h31
